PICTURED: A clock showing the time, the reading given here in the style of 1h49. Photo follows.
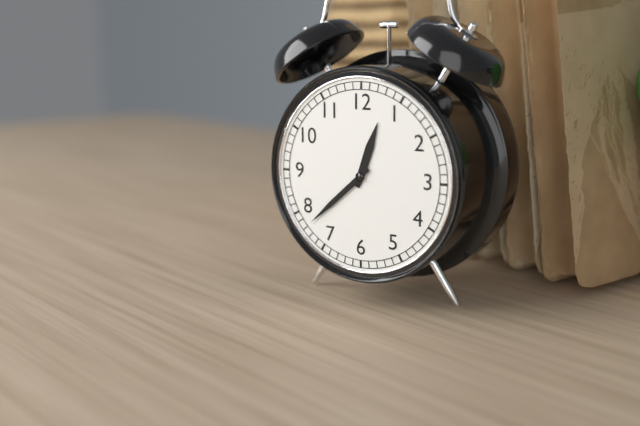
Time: 12h38
